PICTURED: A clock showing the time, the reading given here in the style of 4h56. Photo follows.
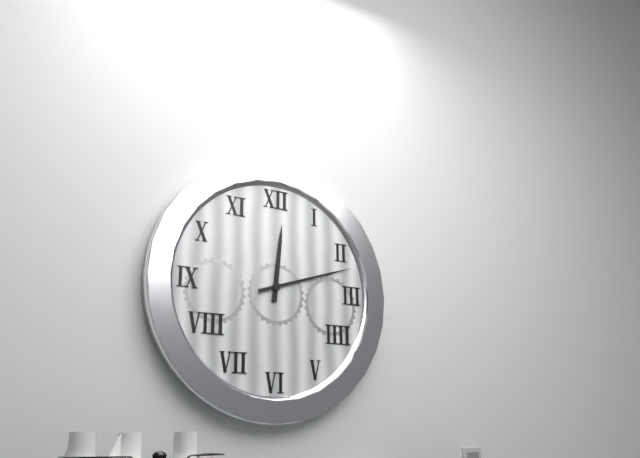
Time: 12h12
